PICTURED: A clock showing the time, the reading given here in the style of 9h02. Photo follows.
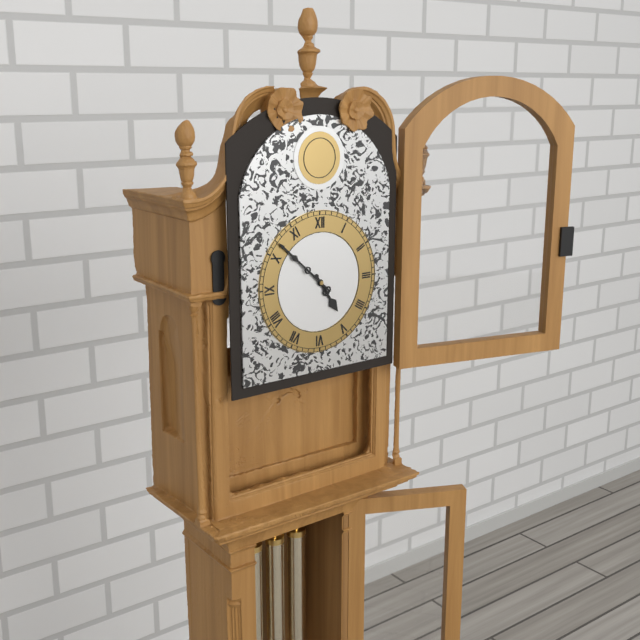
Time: 4h52
